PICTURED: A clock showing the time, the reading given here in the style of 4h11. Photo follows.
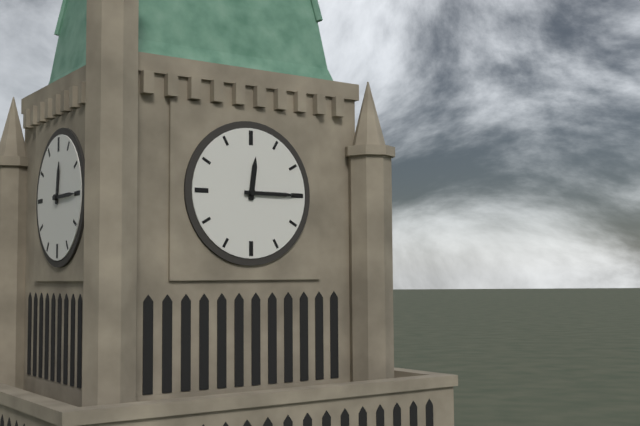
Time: 12h15
